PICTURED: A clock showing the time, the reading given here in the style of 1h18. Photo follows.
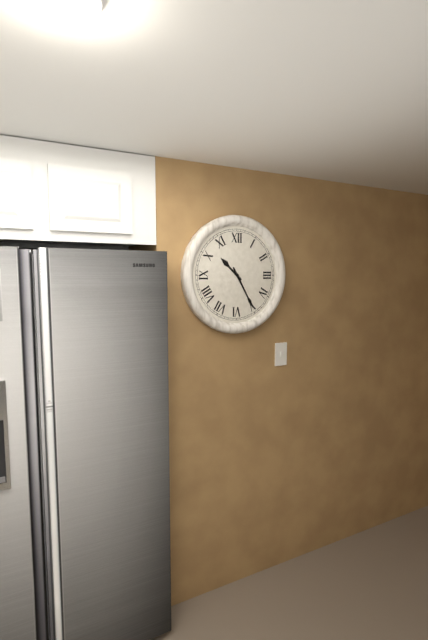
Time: 10h25
